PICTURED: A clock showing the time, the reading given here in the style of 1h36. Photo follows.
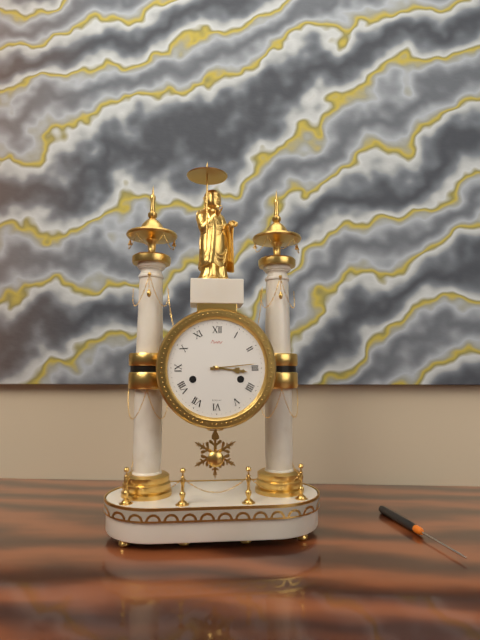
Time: 3h14
